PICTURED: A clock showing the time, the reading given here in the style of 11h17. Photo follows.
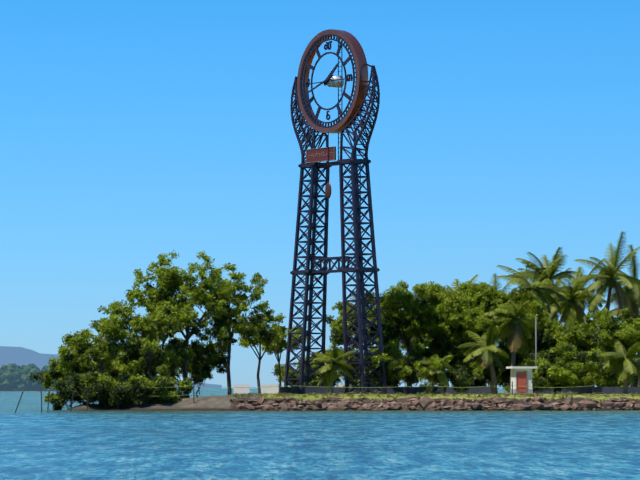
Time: 1h42
